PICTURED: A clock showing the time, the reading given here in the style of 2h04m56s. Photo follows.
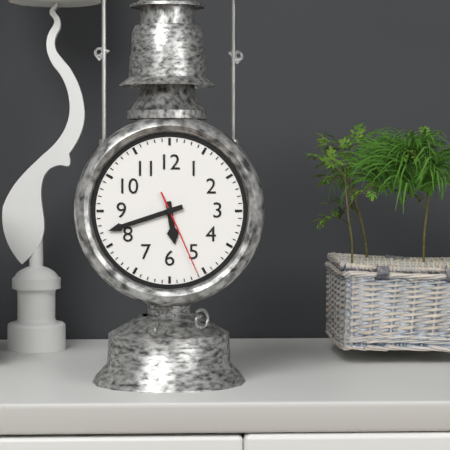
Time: 5h42m26s
